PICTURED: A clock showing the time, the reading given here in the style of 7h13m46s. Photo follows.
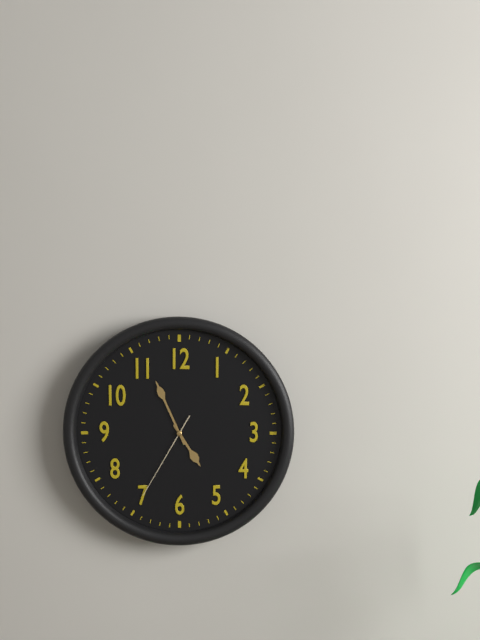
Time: 4h56m35s
